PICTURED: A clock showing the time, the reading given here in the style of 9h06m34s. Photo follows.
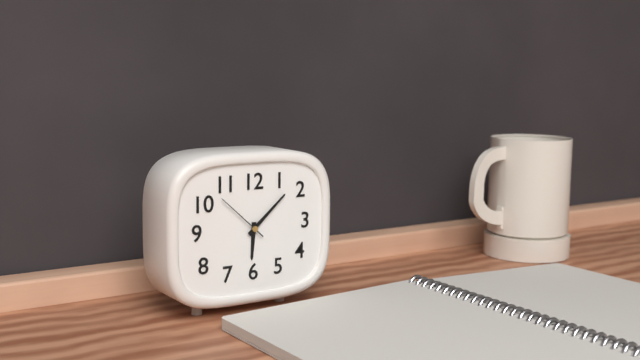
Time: 6h08m52s
